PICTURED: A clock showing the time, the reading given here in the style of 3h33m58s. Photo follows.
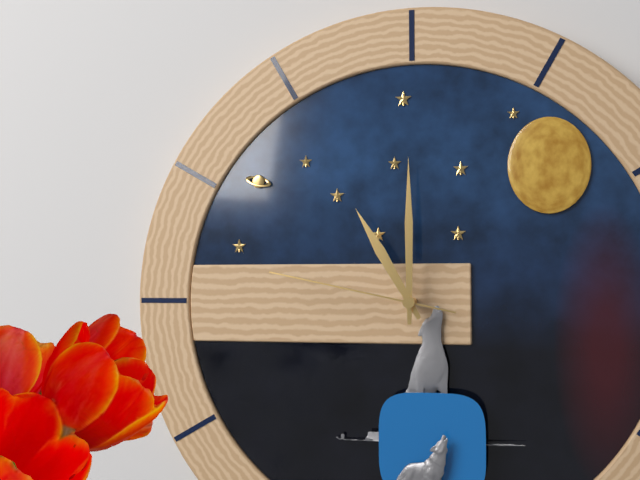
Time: 11h00m47s
